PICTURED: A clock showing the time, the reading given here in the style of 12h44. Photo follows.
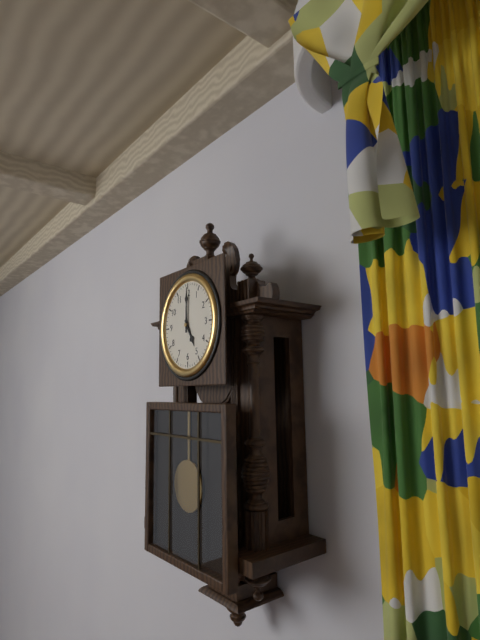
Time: 5h00
